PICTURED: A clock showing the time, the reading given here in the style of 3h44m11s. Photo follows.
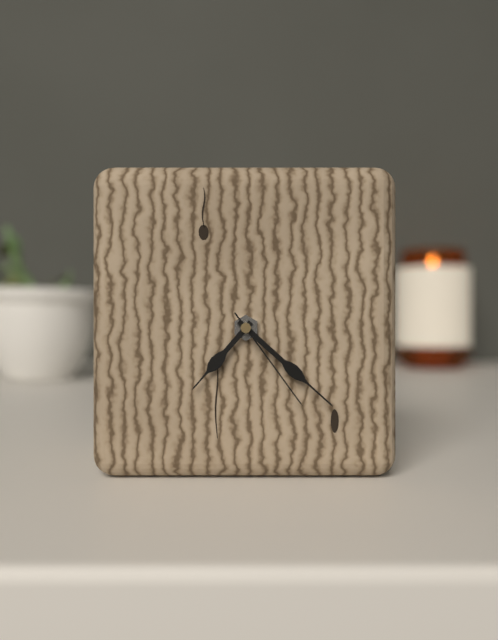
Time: 7h22m24s
